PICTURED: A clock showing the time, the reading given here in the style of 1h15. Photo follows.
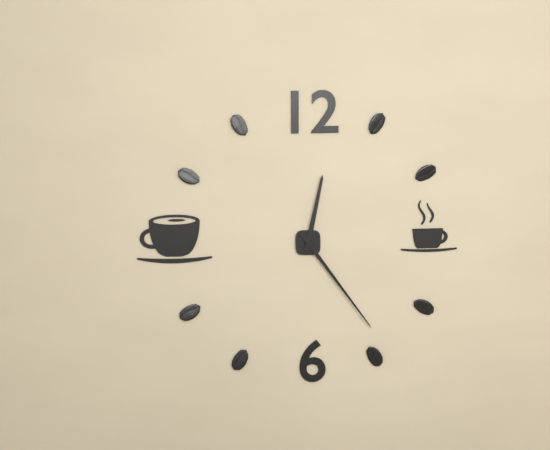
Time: 12h24
